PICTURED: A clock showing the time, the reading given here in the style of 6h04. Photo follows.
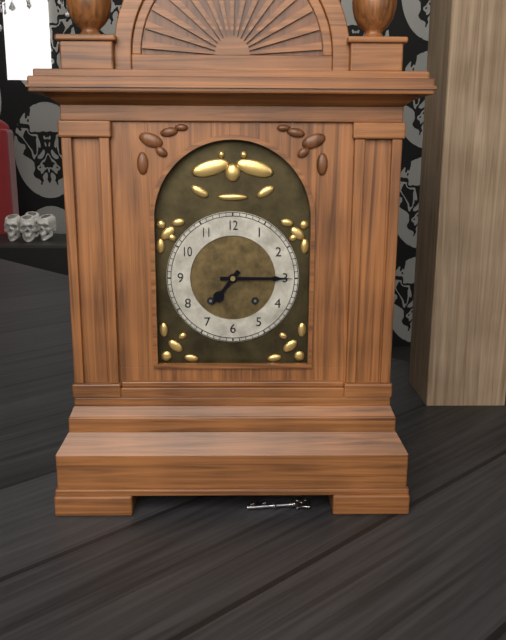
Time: 7h15
